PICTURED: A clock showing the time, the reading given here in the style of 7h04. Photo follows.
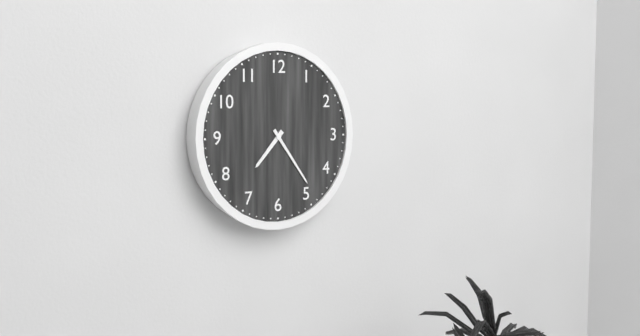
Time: 7h24
